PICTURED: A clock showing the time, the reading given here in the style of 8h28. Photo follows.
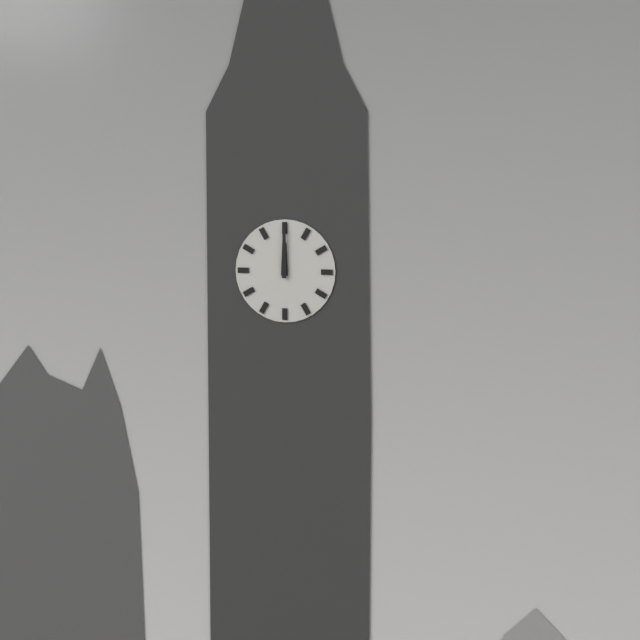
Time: 12h00
